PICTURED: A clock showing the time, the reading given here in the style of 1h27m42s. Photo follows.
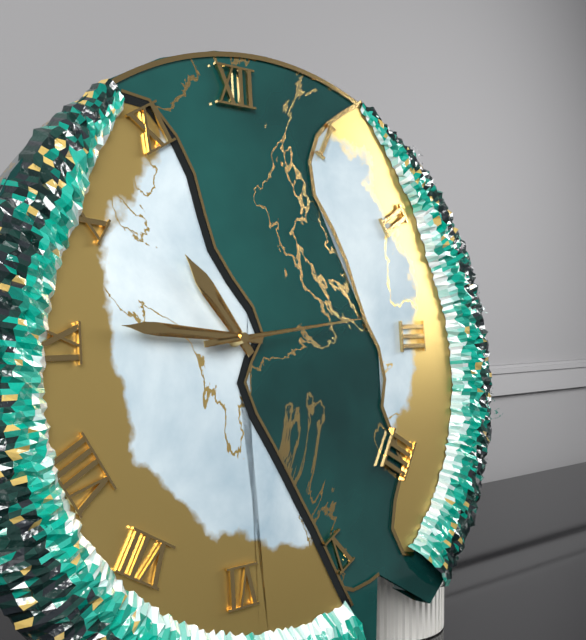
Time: 10h46m14s
